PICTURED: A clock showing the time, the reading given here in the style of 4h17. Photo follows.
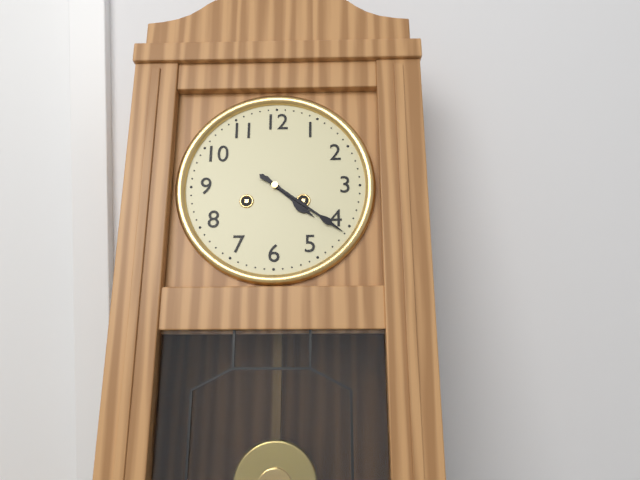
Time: 4h21
